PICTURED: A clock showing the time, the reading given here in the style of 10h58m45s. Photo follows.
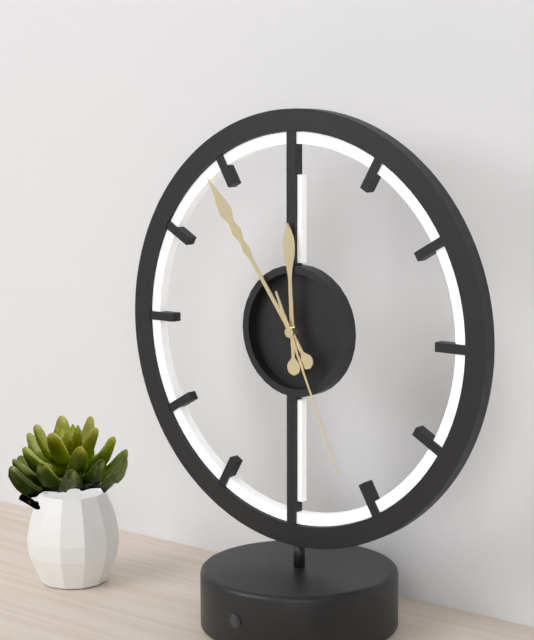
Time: 11h54m26s
